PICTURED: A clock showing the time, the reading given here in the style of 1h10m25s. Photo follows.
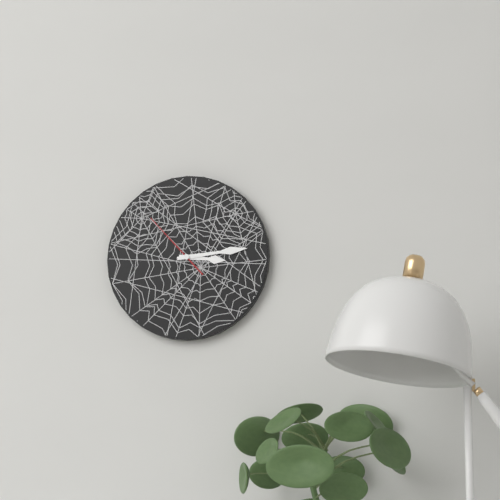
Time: 3h14m53s
